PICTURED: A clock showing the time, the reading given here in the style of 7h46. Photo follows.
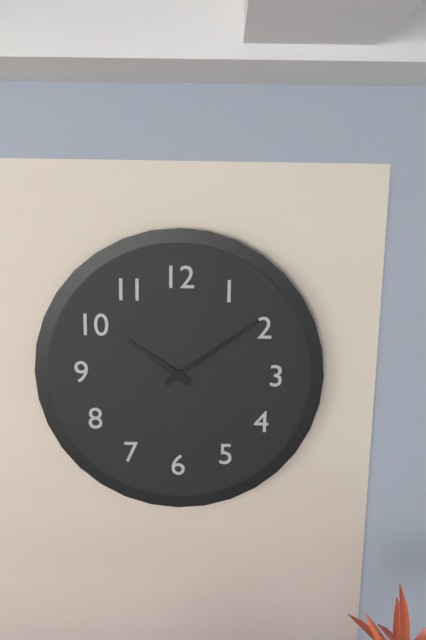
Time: 10h09
